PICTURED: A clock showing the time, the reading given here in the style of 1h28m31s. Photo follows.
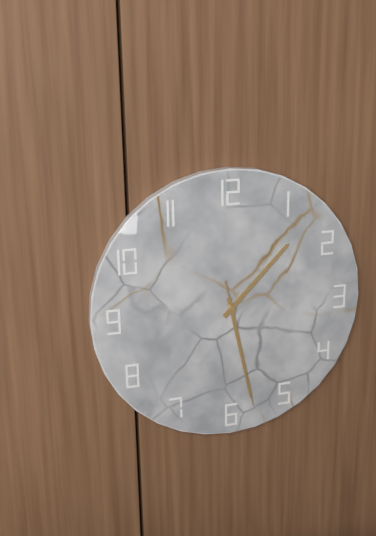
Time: 1h28m28s
